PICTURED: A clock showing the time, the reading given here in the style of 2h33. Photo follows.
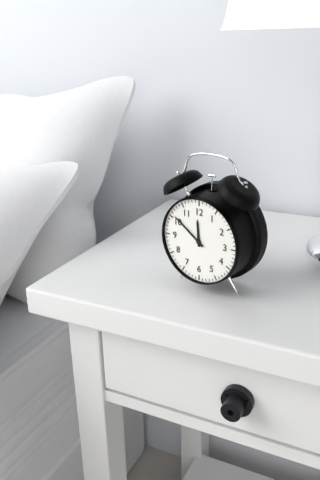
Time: 11h51
